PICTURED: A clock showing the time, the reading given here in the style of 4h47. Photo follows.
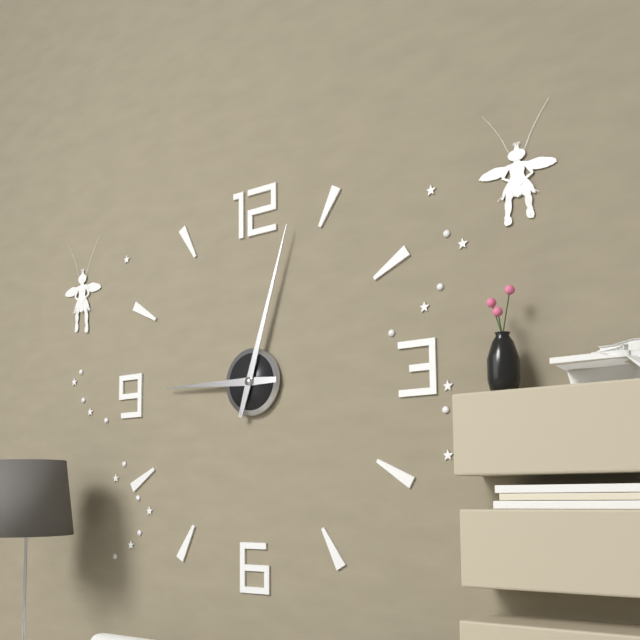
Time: 9h03
